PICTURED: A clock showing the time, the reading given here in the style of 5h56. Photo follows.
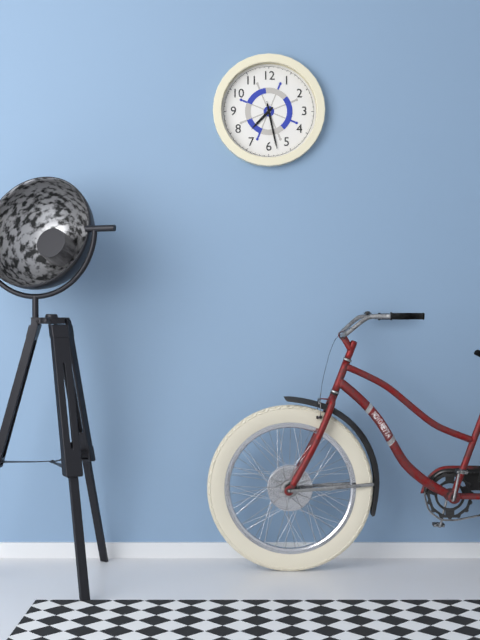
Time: 7h28
